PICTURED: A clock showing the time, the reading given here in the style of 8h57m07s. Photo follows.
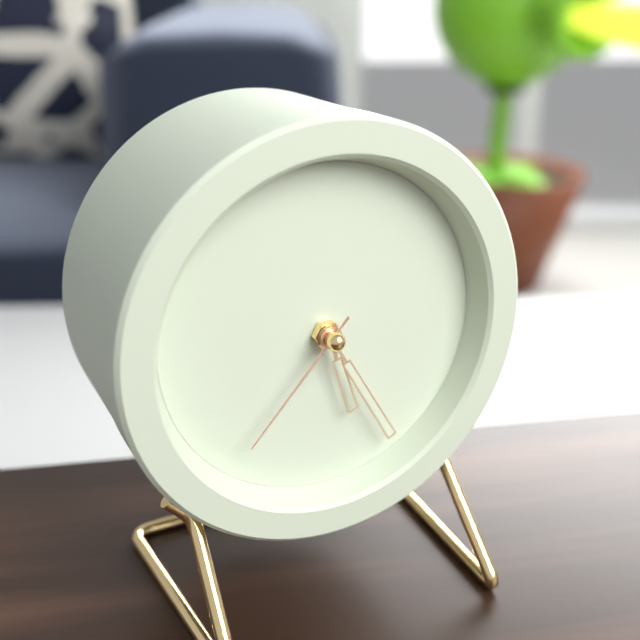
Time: 5h25m37s
